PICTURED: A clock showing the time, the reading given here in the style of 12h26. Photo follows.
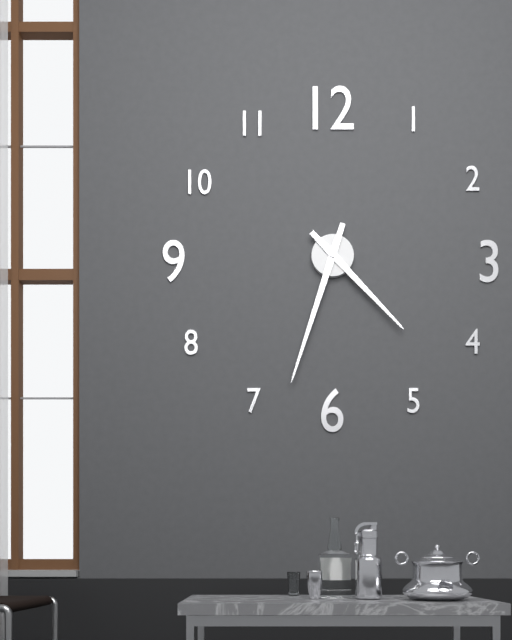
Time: 4h33
